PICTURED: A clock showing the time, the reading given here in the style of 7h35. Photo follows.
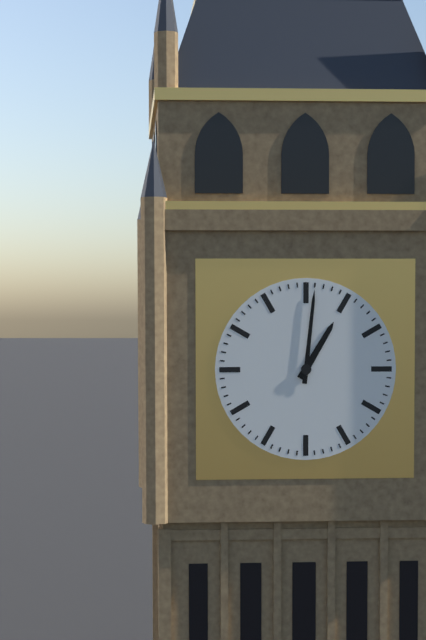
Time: 1h01
